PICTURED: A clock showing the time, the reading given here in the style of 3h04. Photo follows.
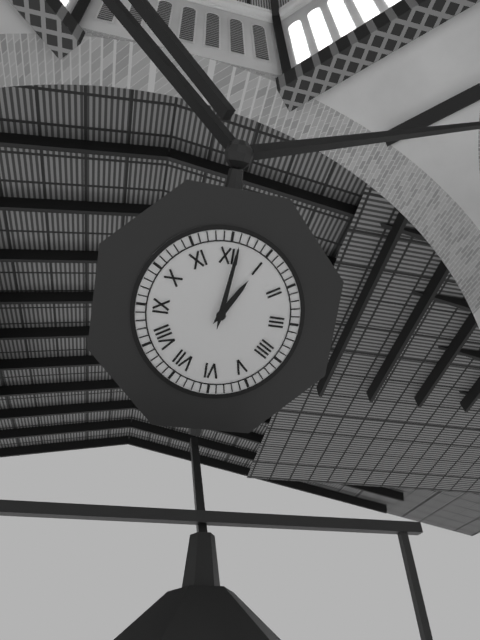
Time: 1h01
